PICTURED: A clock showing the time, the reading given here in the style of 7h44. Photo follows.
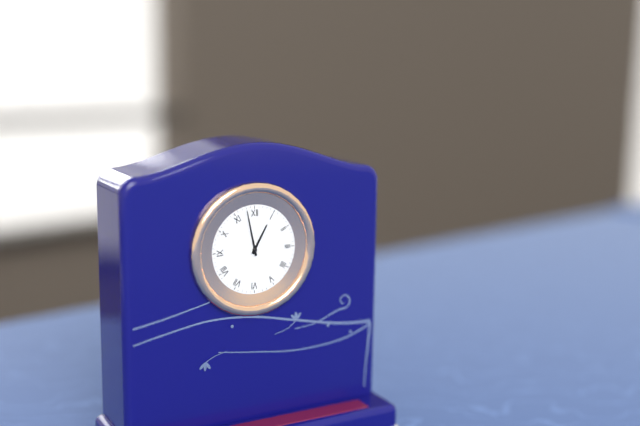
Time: 12h58
